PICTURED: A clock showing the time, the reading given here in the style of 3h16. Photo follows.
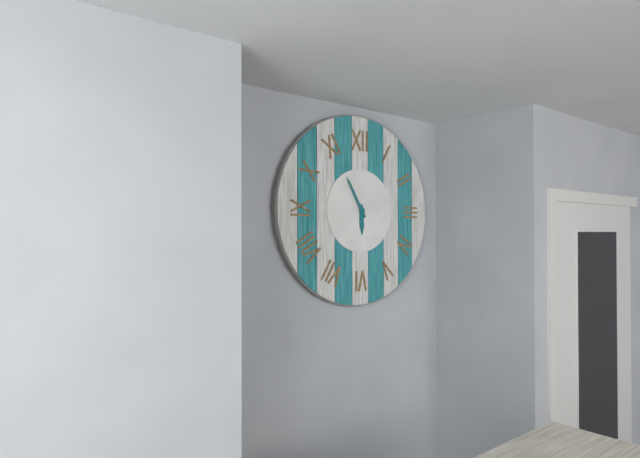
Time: 5h55
